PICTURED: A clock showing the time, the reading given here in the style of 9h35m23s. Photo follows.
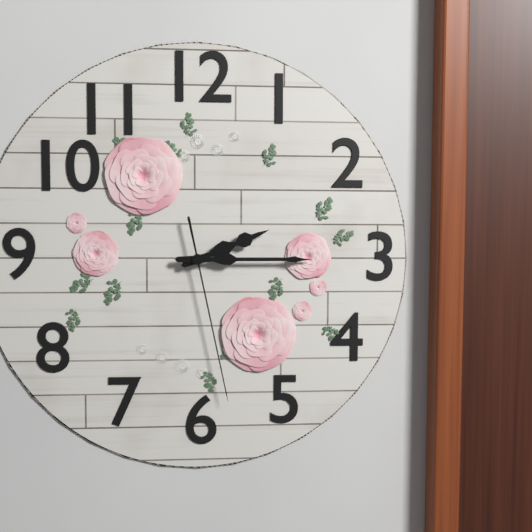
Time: 2h15m28s
